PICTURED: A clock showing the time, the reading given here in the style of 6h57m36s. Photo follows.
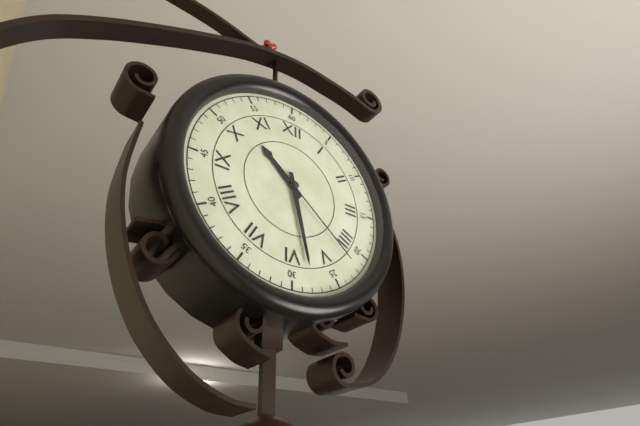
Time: 10h28m22s
